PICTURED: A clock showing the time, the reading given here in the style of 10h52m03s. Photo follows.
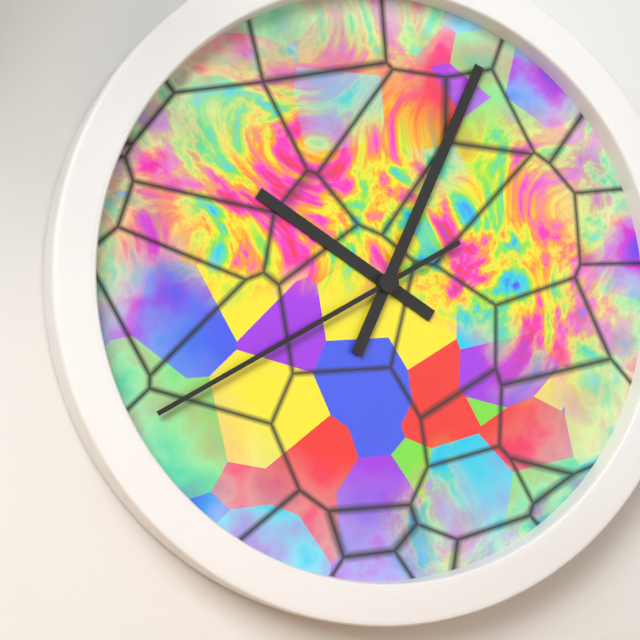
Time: 10h04m40s
